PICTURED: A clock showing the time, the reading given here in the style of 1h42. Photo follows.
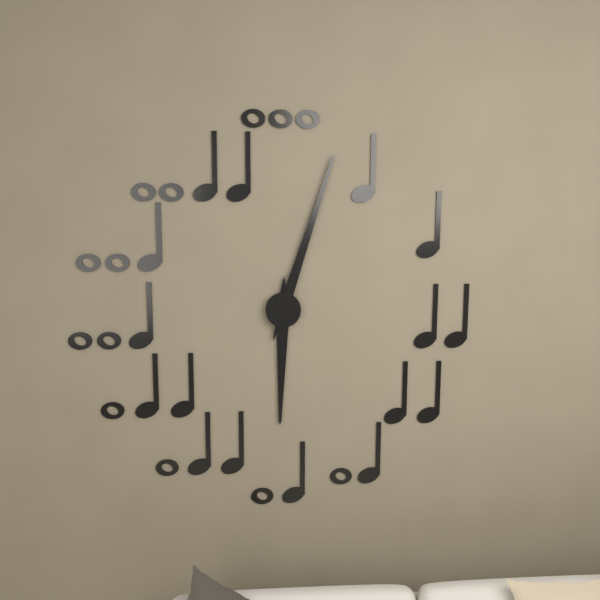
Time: 6h03
